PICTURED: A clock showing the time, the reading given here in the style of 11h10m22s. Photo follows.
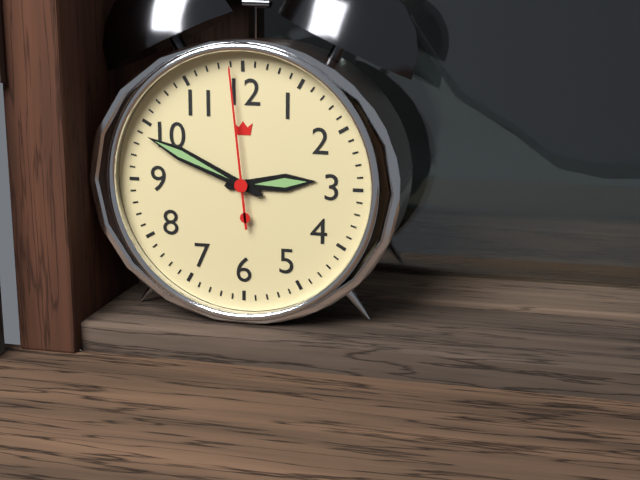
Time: 2h49m59s
